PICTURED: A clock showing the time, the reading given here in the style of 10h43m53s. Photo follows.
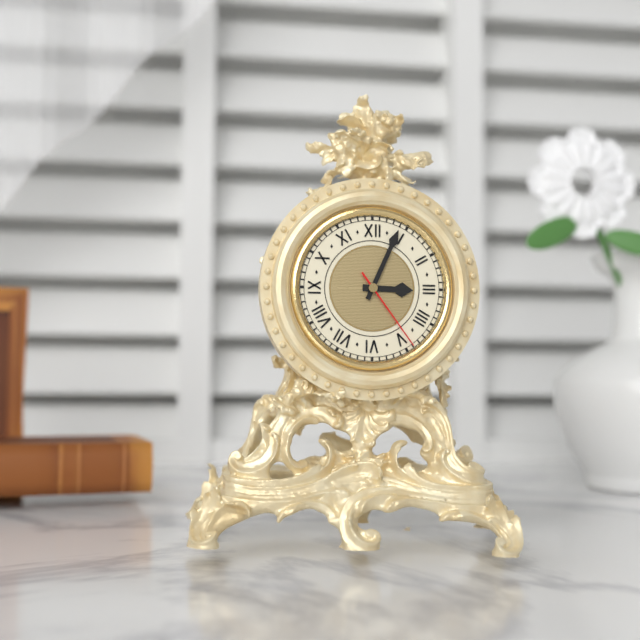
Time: 3h04m24s
